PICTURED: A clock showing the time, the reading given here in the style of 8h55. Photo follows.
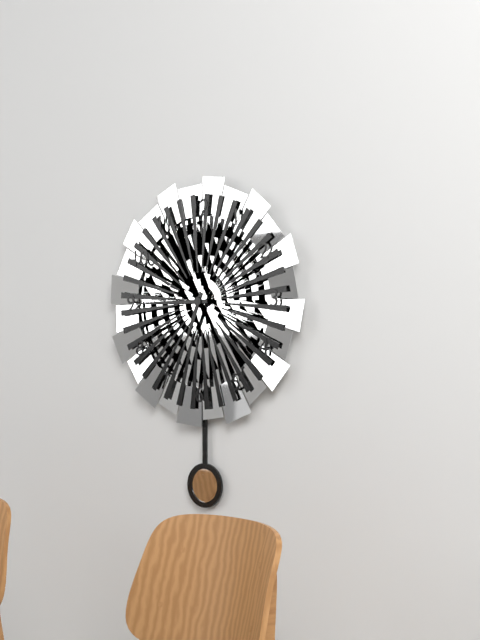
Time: 6h45
